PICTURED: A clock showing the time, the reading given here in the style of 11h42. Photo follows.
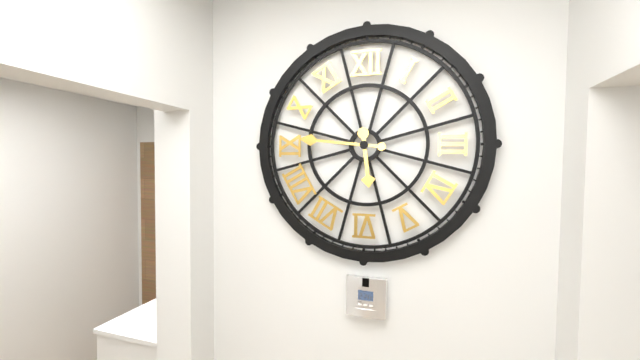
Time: 5h46
